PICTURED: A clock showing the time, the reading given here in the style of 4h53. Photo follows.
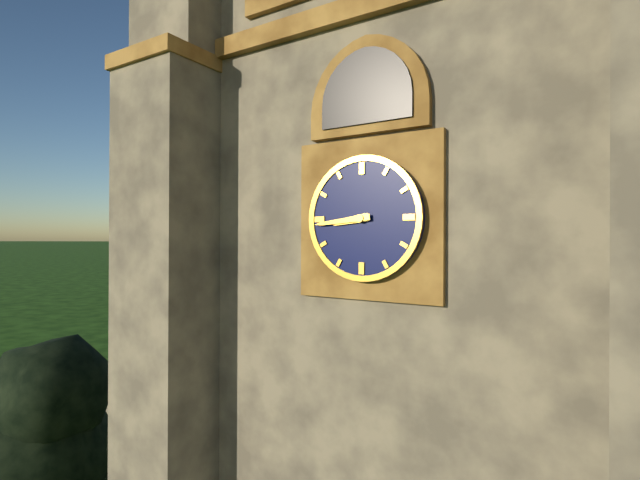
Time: 8h44
